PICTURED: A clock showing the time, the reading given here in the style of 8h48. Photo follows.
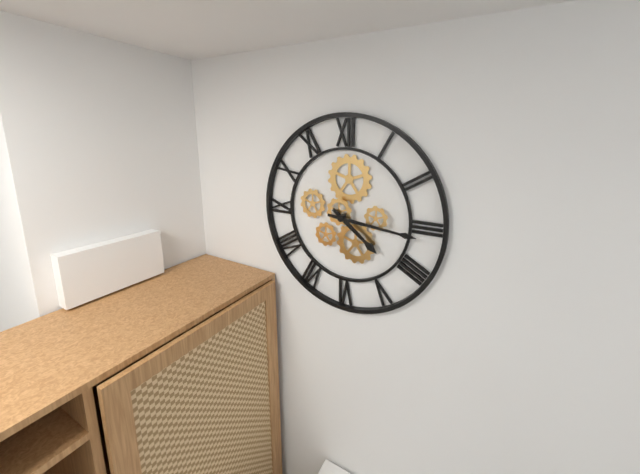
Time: 4h16
